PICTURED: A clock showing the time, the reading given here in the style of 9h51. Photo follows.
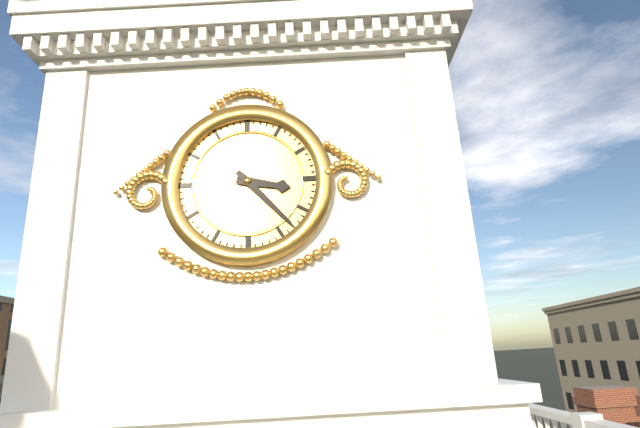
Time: 3h23
